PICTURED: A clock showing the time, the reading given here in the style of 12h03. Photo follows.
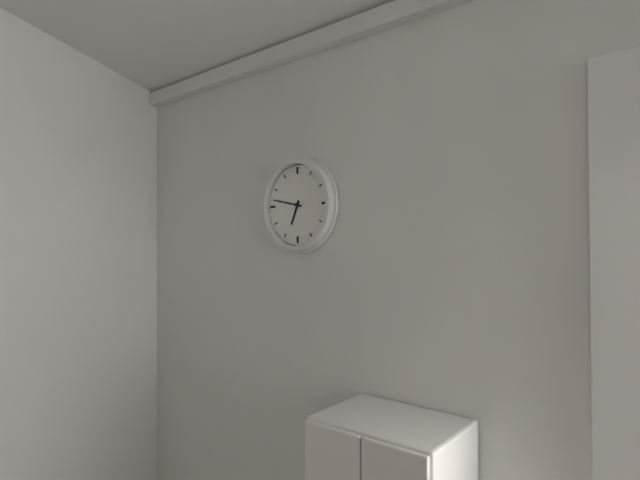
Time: 6h47
